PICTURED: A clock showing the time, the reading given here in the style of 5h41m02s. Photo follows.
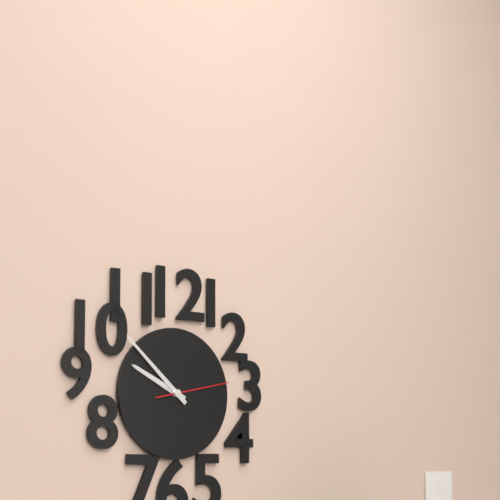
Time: 9h52m13s
